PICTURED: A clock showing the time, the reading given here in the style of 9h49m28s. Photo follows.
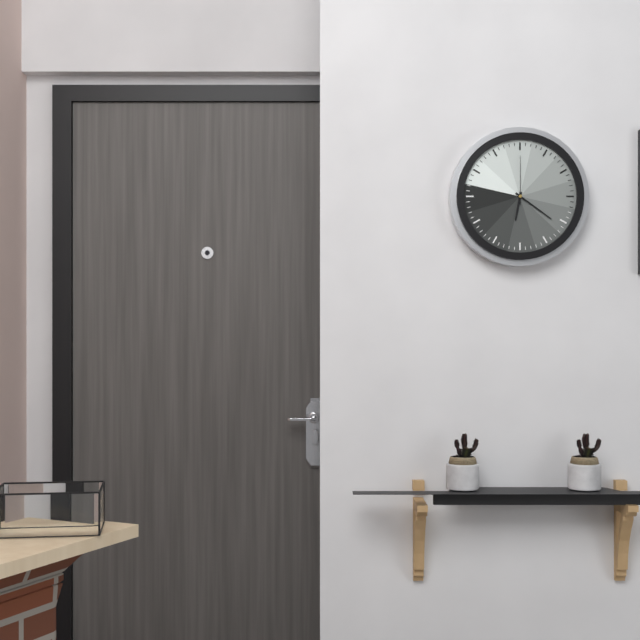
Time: 6h21m00s
